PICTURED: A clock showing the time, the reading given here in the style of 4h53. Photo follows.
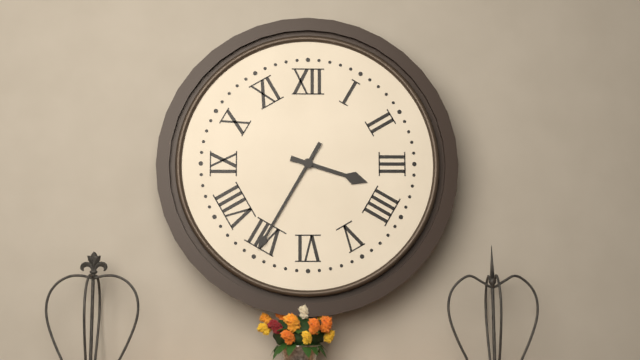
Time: 3h35
